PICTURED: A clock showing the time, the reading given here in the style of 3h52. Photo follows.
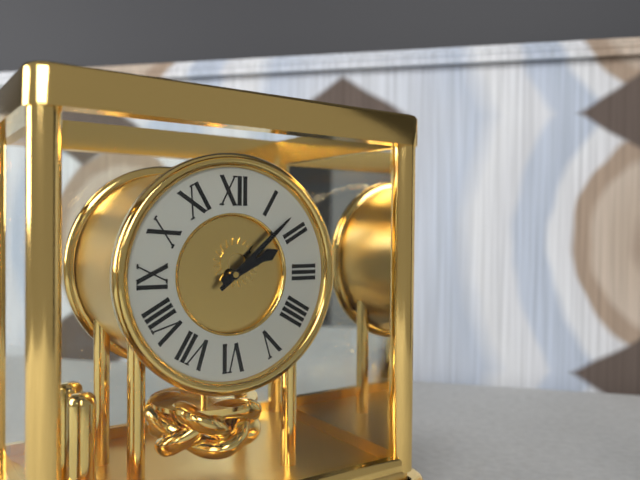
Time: 2h08
